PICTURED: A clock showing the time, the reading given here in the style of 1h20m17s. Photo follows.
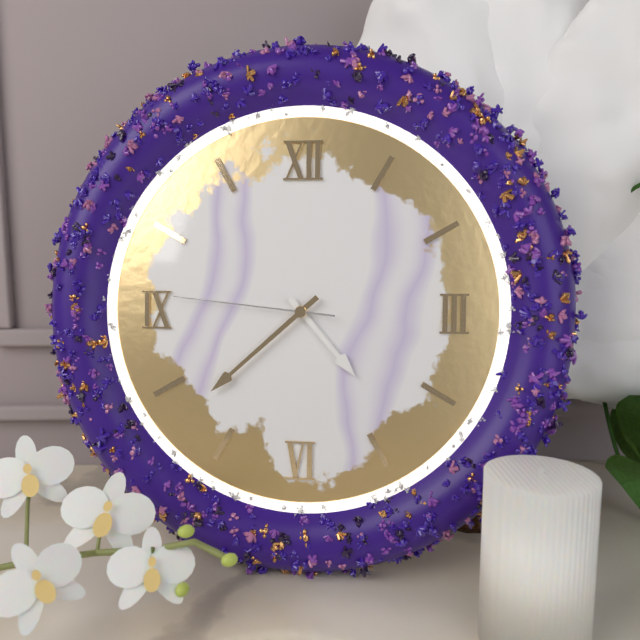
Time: 4h38m46s
